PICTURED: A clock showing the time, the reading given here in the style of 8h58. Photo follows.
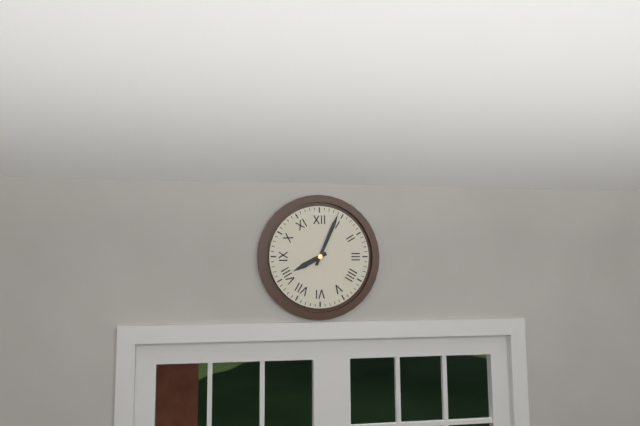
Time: 8h04
